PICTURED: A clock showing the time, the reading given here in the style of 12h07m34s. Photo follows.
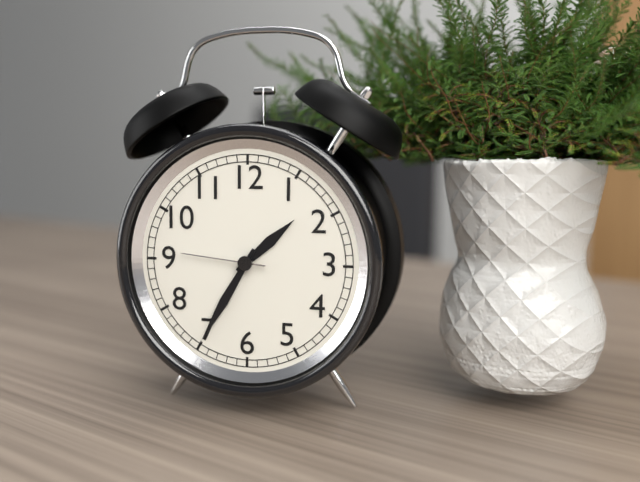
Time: 1h35m46s
